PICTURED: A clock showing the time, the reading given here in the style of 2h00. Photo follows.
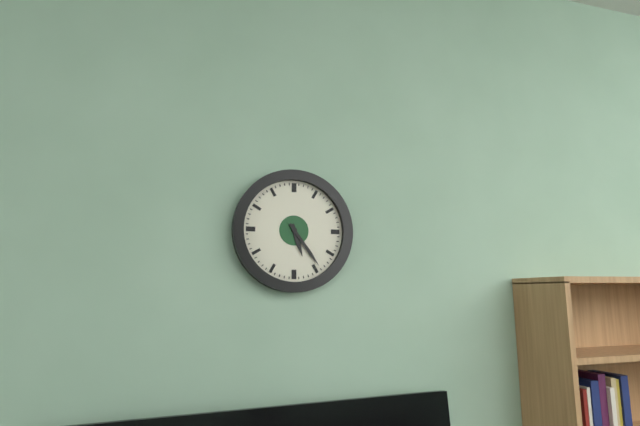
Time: 5h24
